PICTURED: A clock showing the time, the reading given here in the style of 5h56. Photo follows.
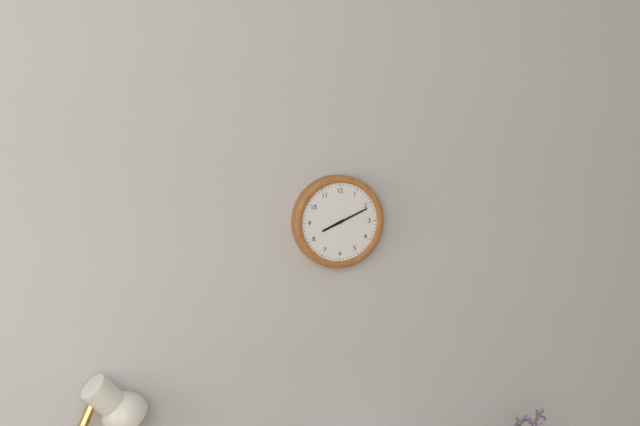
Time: 8h11
